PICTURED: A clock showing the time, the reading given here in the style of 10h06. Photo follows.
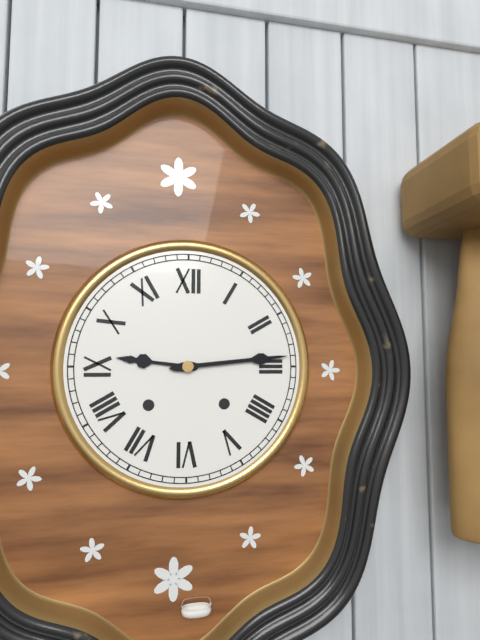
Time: 9h14
